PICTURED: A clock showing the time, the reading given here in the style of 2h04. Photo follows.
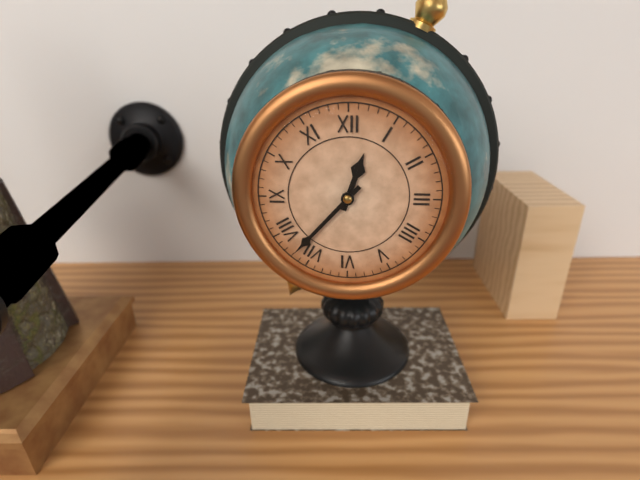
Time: 12h37
